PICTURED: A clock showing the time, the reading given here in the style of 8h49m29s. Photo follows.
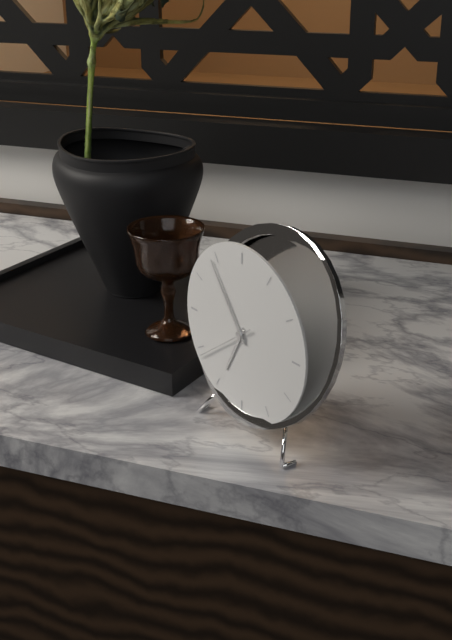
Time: 6h54m39s
